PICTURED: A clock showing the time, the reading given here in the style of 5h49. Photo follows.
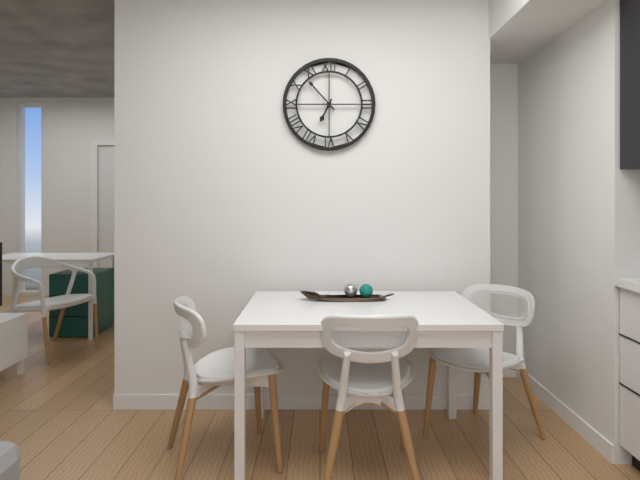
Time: 6h53
